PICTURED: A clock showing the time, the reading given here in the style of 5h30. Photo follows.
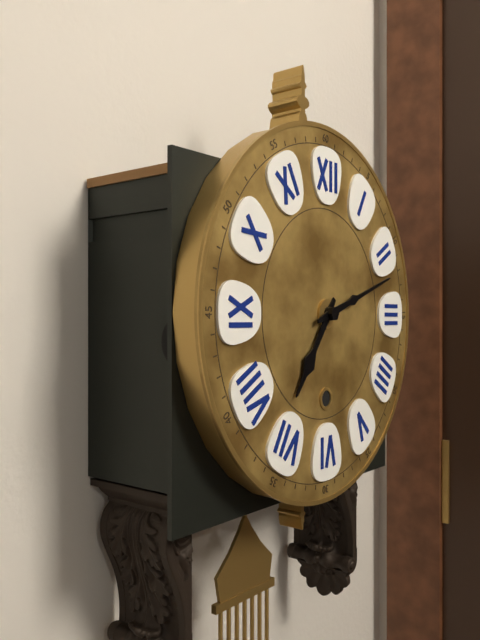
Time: 7h12
